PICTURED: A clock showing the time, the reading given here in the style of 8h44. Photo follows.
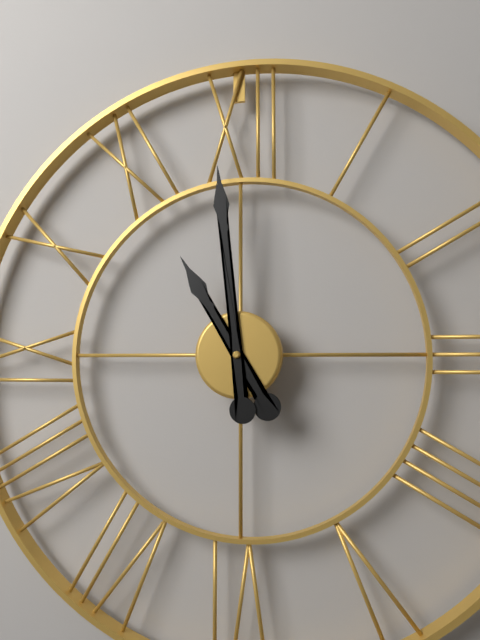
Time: 10h59
